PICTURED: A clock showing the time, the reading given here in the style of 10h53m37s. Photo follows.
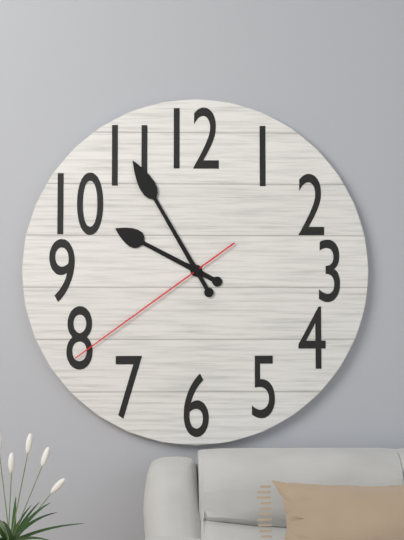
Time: 9h55m39s
